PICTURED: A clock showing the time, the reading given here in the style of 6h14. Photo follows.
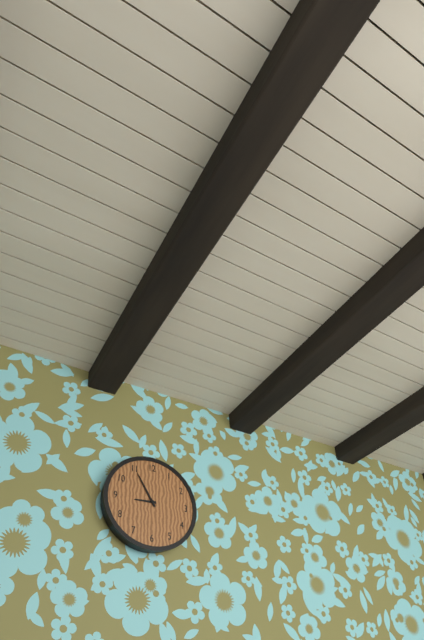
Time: 8h55
